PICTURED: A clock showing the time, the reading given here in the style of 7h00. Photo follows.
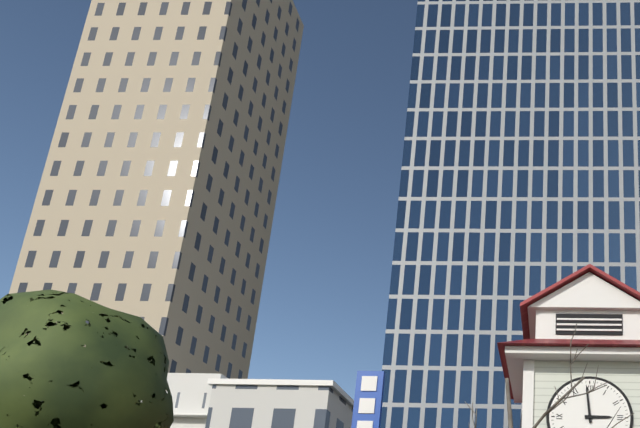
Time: 2h59
